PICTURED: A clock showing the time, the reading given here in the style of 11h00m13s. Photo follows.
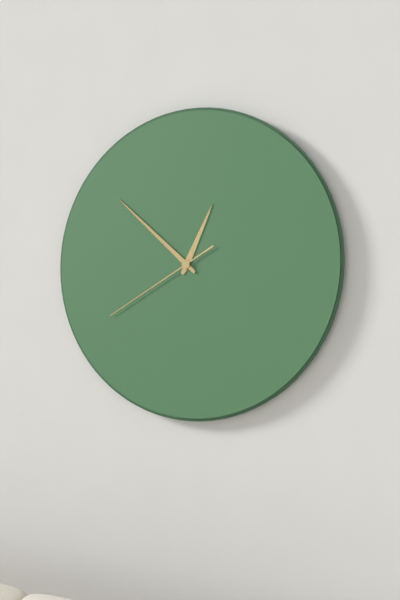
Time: 12h52m40s
